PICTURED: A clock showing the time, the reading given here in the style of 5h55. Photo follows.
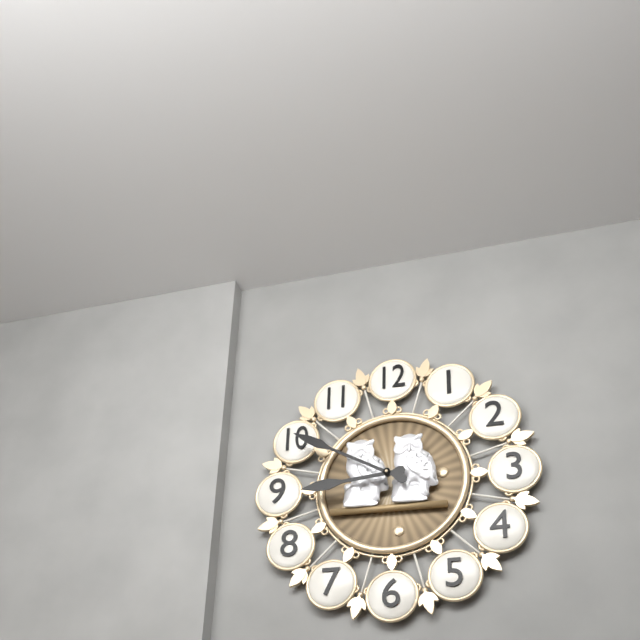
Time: 8h50
